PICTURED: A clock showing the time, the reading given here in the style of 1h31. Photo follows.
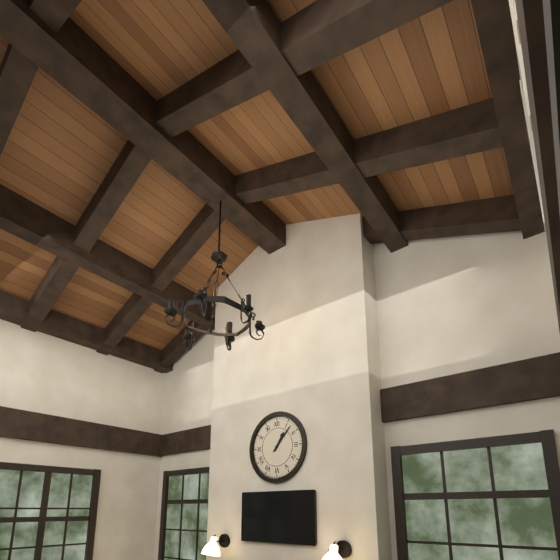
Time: 1h07
